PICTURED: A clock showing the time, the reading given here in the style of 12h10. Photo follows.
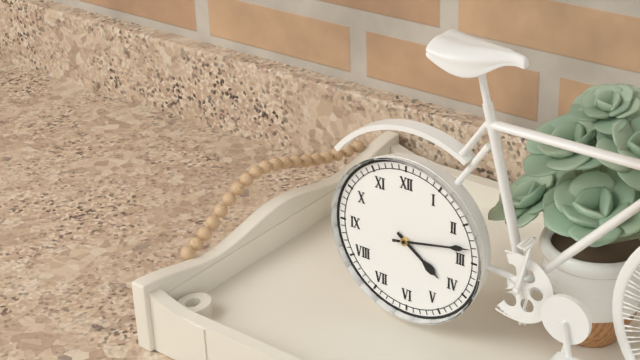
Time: 4h13
